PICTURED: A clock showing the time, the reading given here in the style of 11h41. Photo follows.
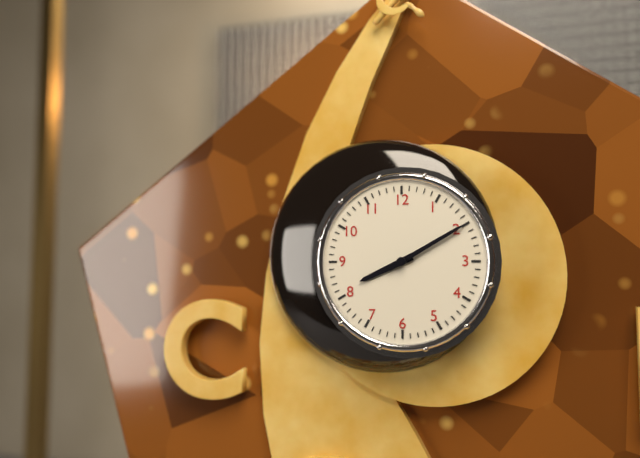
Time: 8h10
